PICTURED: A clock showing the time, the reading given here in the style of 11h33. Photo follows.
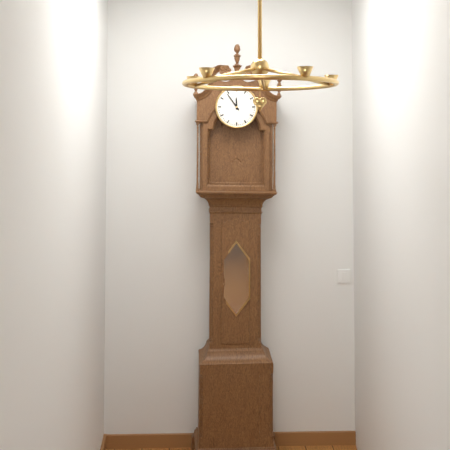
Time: 11h54
